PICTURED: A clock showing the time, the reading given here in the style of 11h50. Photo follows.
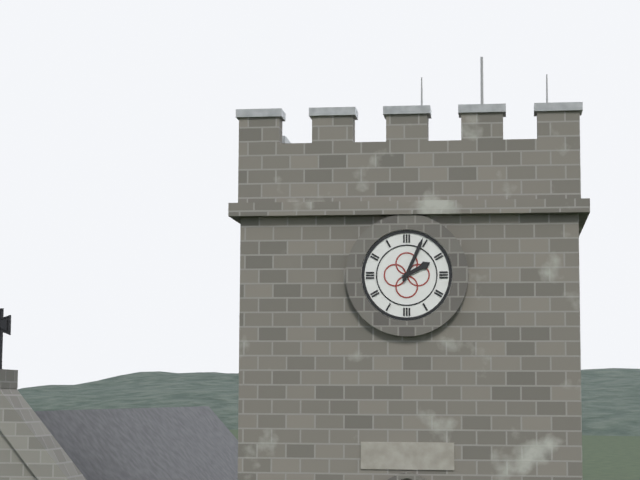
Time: 2h04
